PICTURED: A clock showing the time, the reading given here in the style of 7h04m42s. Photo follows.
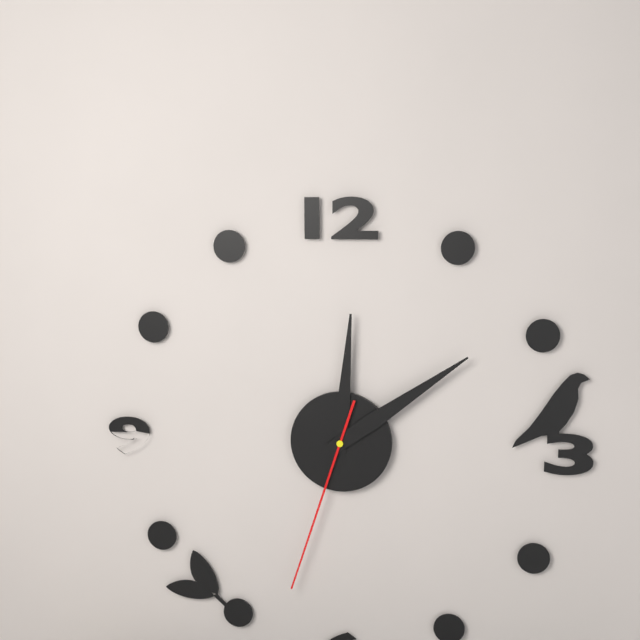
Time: 12h09m33s
